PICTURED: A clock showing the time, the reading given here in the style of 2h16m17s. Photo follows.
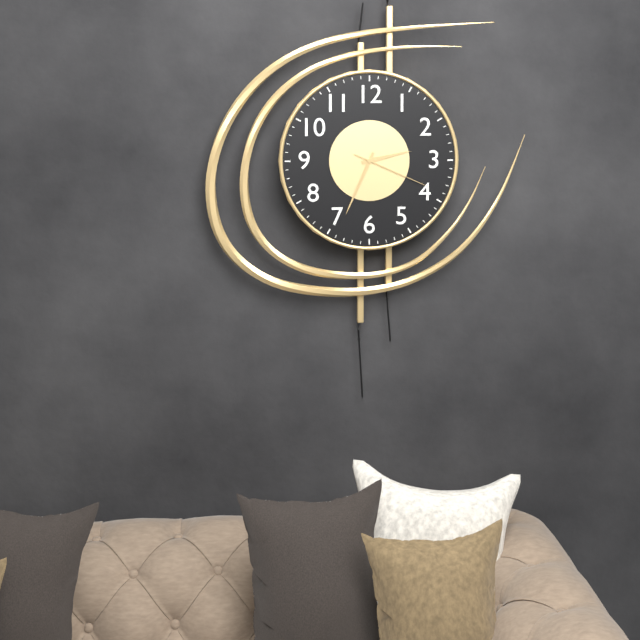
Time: 2h34m19s
